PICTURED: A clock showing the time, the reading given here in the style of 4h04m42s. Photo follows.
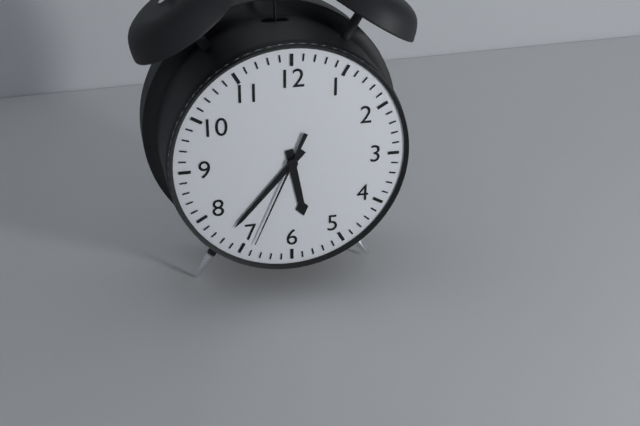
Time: 5h37m34s
